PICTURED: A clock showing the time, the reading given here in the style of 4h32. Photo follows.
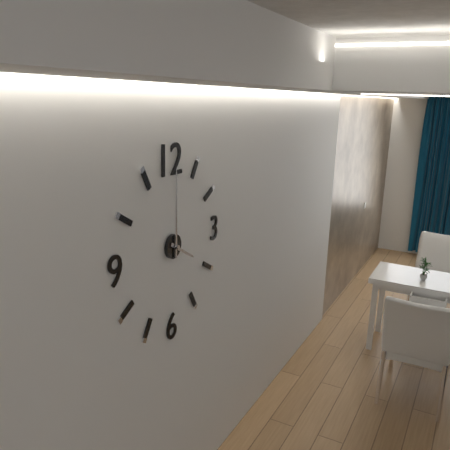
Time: 4h00
